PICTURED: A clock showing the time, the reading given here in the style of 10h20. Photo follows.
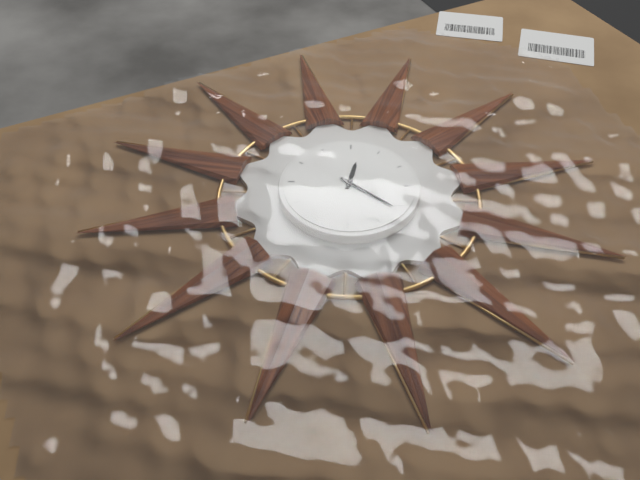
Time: 12h21
